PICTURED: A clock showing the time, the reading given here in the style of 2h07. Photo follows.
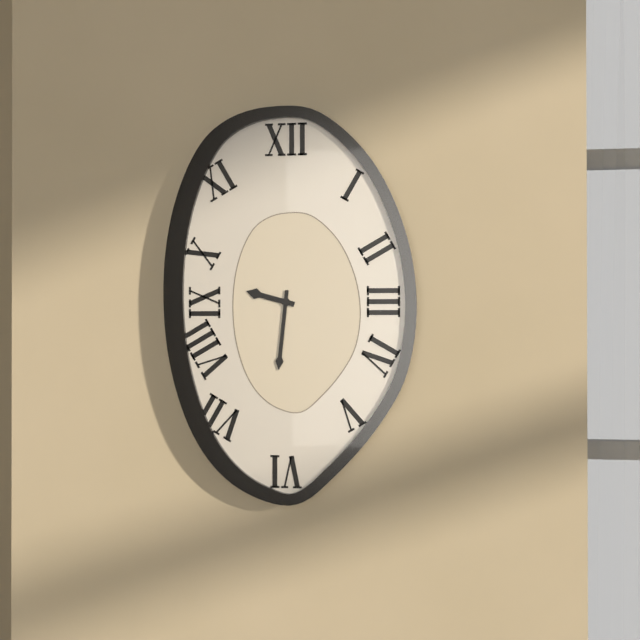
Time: 9h31
